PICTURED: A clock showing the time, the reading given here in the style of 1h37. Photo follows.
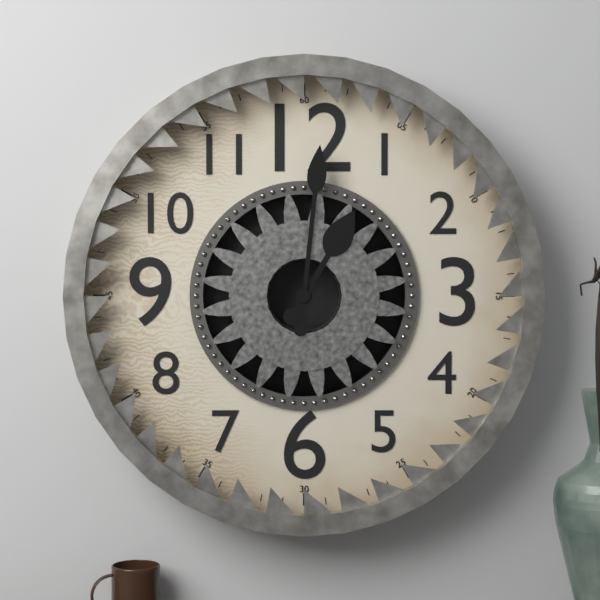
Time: 1h01
